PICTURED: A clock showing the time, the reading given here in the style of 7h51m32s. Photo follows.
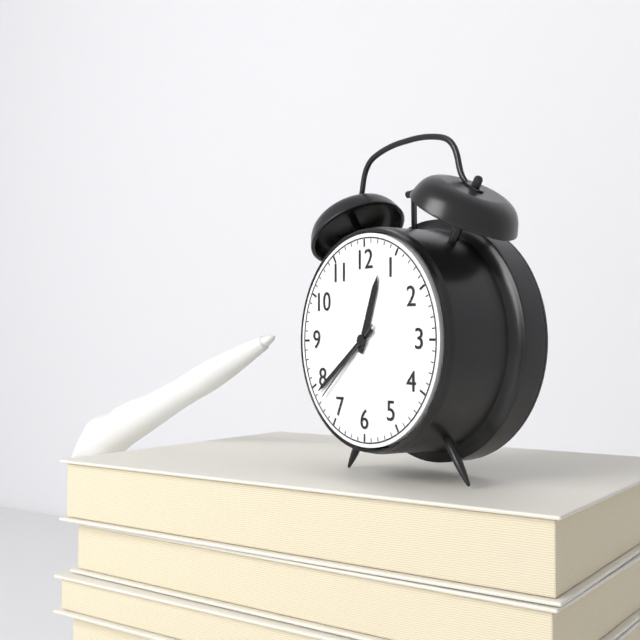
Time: 12h39m38s
